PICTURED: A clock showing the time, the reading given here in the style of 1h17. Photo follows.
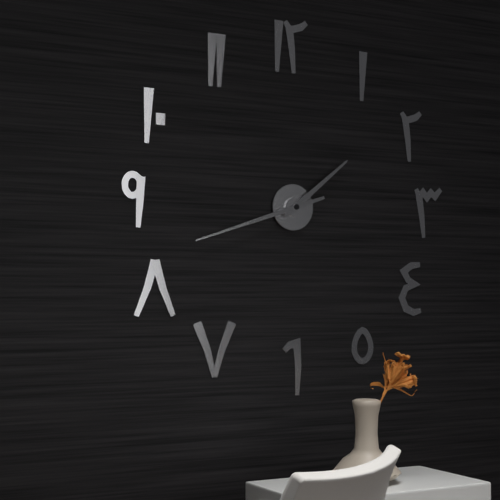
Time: 1h42
